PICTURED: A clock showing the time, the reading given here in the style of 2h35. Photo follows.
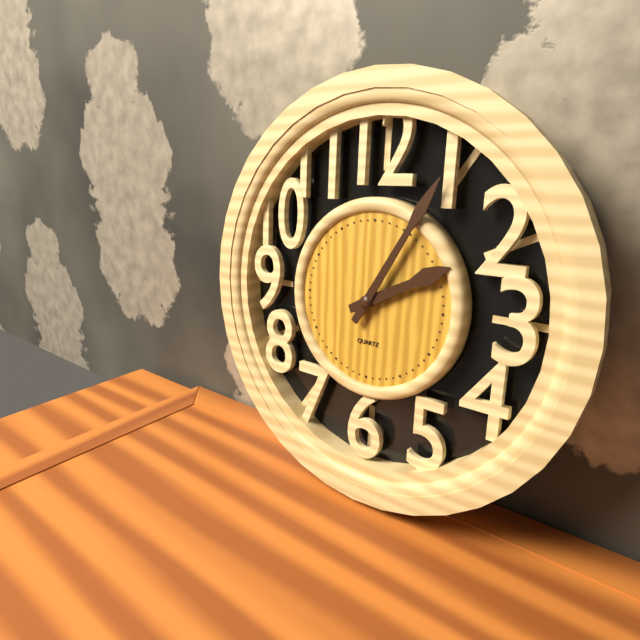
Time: 2h05
